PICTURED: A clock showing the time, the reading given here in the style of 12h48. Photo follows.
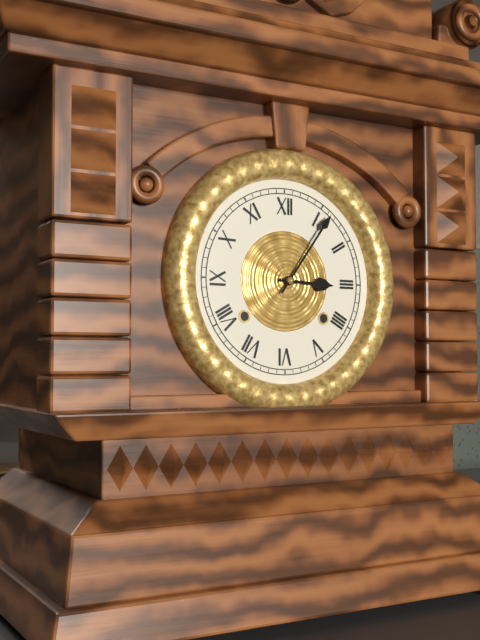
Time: 3h06
